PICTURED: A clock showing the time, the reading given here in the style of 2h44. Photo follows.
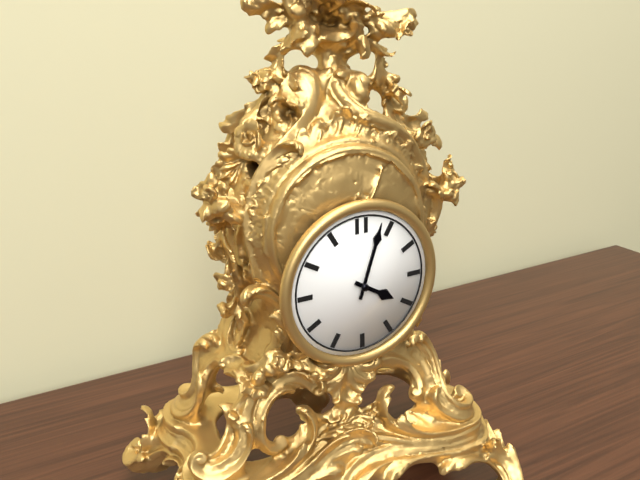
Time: 4h03
